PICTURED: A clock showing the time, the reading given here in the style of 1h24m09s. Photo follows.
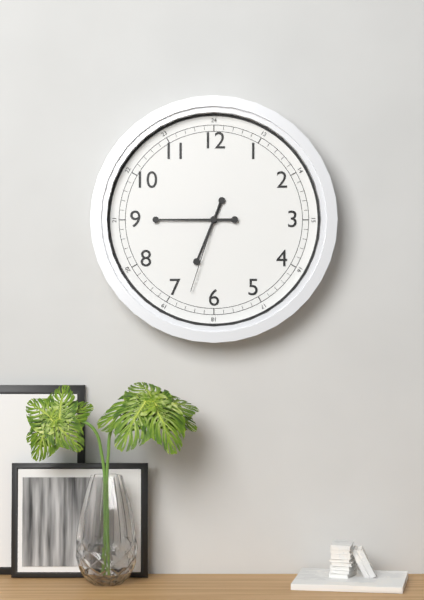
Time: 6h45m33s
